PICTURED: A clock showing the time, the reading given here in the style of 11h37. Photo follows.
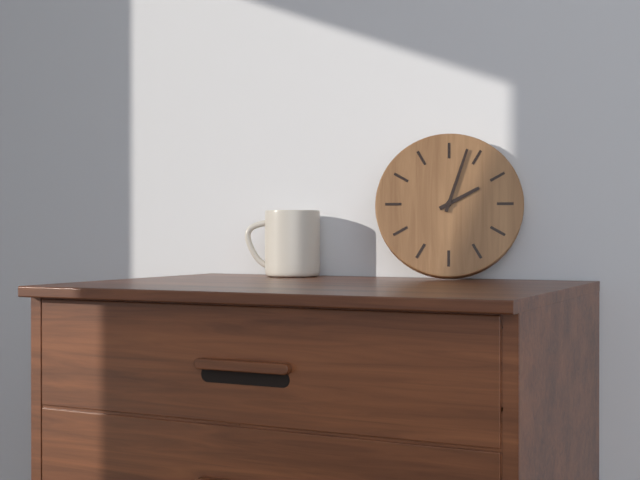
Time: 2h03
